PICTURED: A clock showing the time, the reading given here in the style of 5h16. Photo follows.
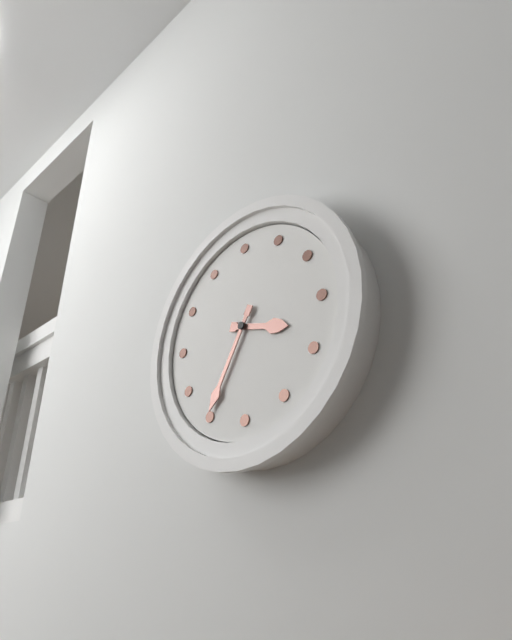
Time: 3h35
